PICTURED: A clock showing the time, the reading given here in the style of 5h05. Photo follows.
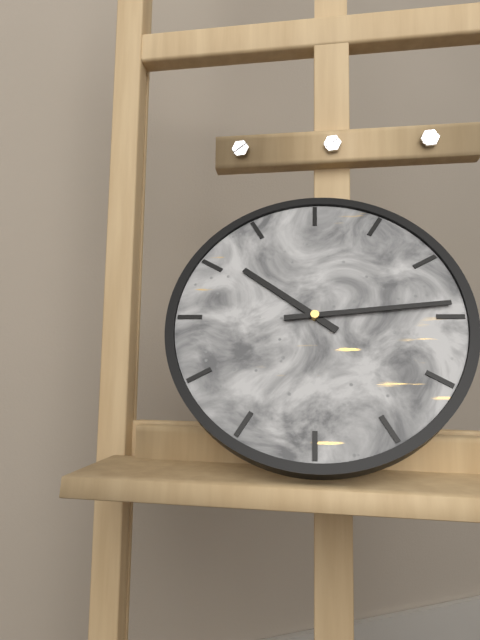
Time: 10h14
